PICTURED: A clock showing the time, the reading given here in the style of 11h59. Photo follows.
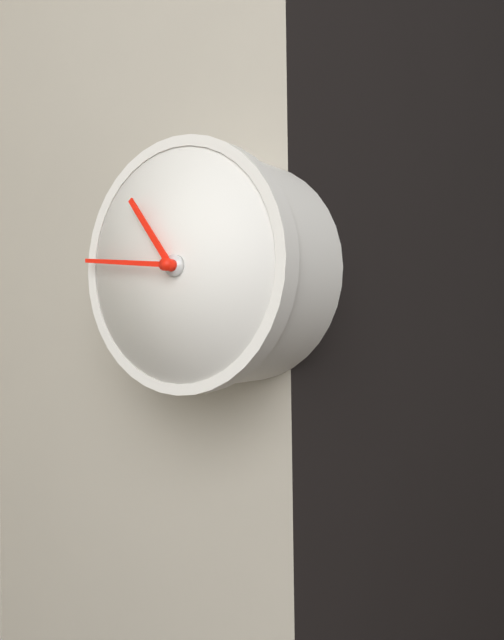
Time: 10h46
